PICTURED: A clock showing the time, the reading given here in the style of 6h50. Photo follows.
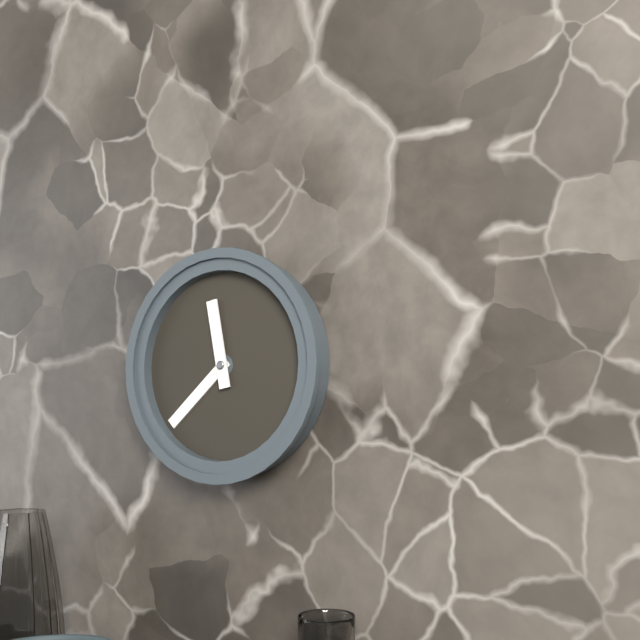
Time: 11h38
